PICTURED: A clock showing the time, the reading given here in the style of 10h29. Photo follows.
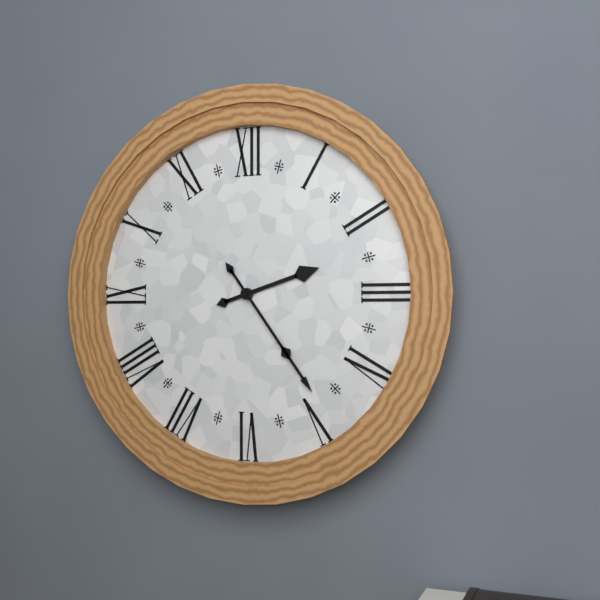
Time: 2h24
